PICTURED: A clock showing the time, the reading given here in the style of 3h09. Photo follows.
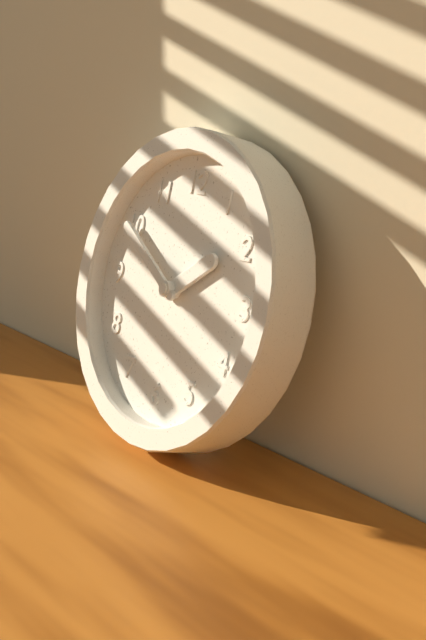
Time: 1h50
